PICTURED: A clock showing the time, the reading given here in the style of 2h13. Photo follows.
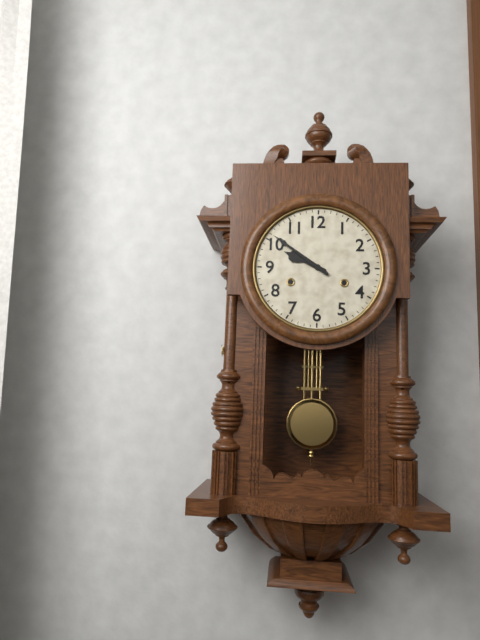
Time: 9h51
